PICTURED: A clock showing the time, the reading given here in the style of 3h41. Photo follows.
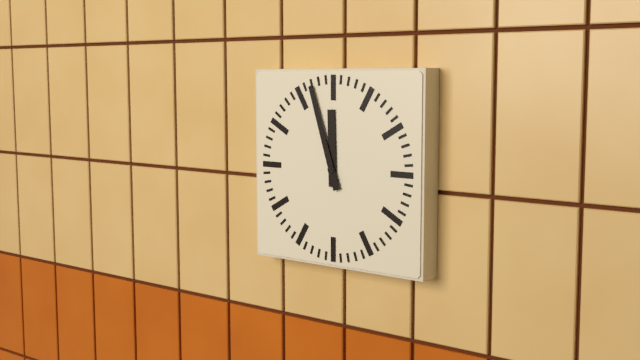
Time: 11h57
